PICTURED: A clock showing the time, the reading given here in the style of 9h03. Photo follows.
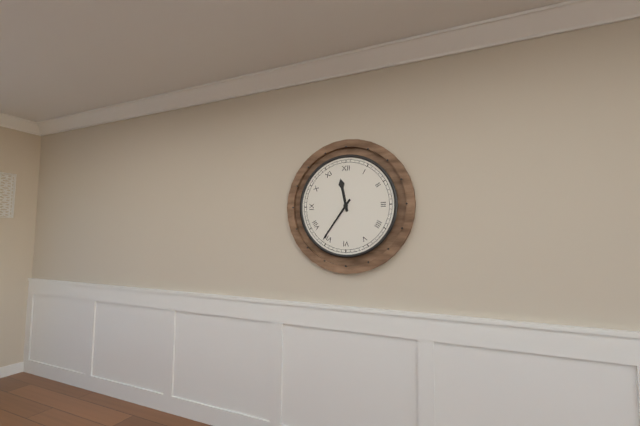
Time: 11h36
